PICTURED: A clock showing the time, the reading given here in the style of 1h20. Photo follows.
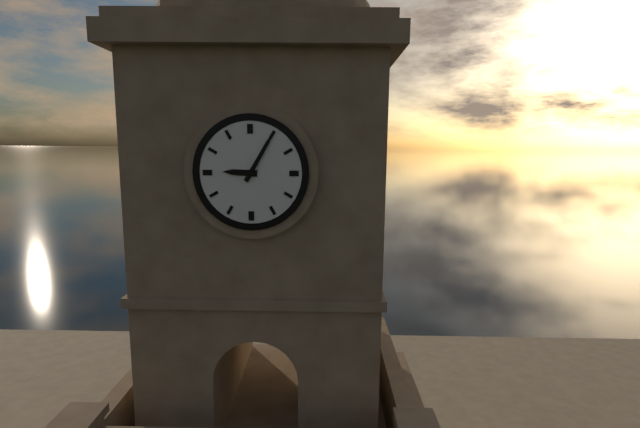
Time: 9h05
